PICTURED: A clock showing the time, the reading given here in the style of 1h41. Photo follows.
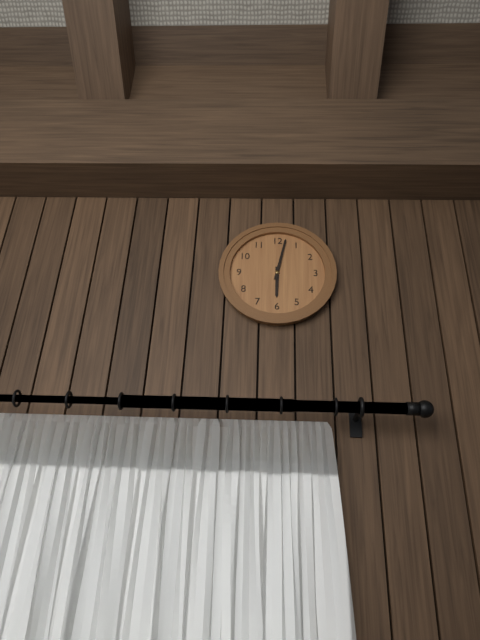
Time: 6h02
